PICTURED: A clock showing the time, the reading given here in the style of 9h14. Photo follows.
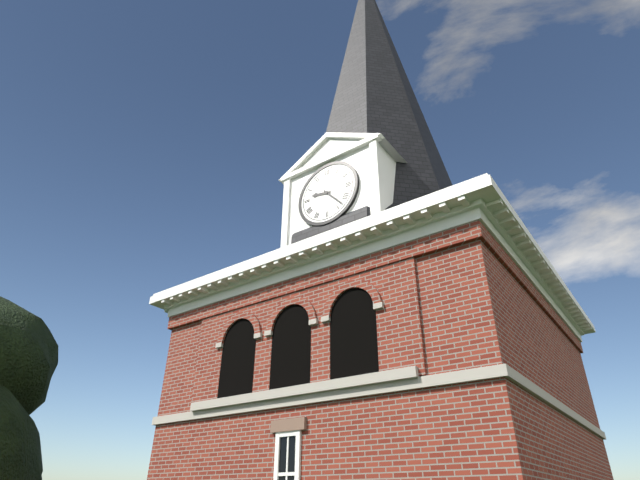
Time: 9h23
